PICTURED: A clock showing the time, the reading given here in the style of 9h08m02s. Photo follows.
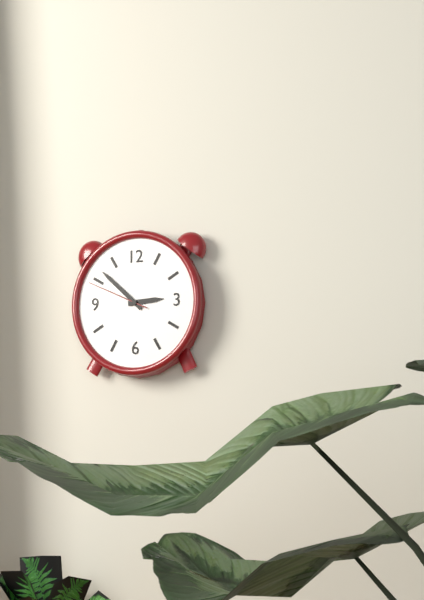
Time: 2h52m49s
